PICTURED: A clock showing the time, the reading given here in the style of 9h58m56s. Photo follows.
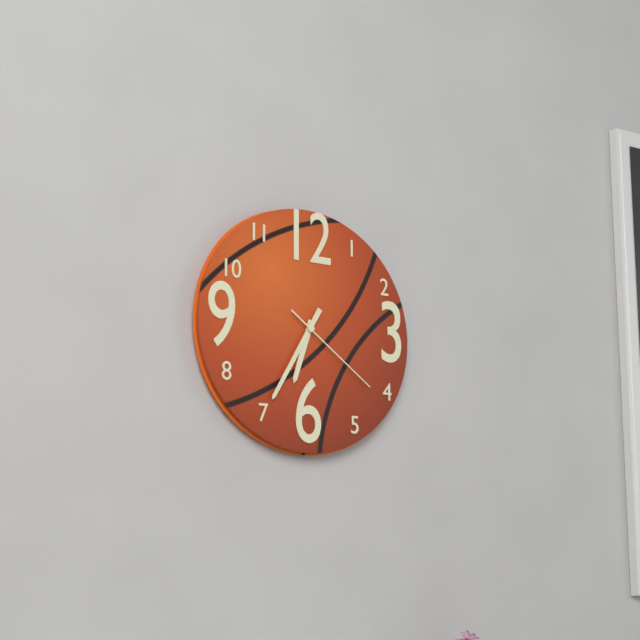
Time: 6h35m21s
